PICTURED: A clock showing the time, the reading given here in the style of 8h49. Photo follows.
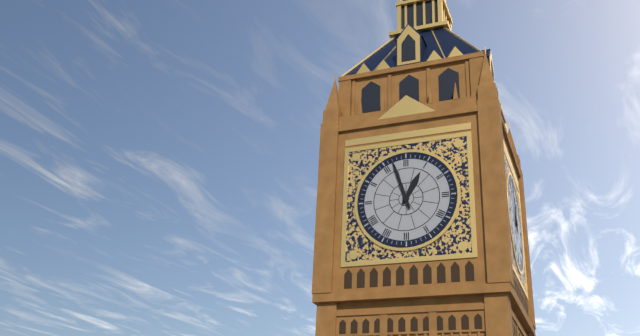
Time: 12h57
